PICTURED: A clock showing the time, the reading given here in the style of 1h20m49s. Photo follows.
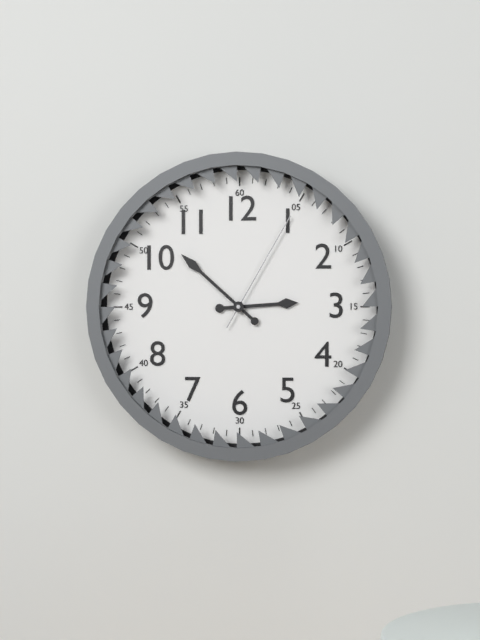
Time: 2h52m05s
